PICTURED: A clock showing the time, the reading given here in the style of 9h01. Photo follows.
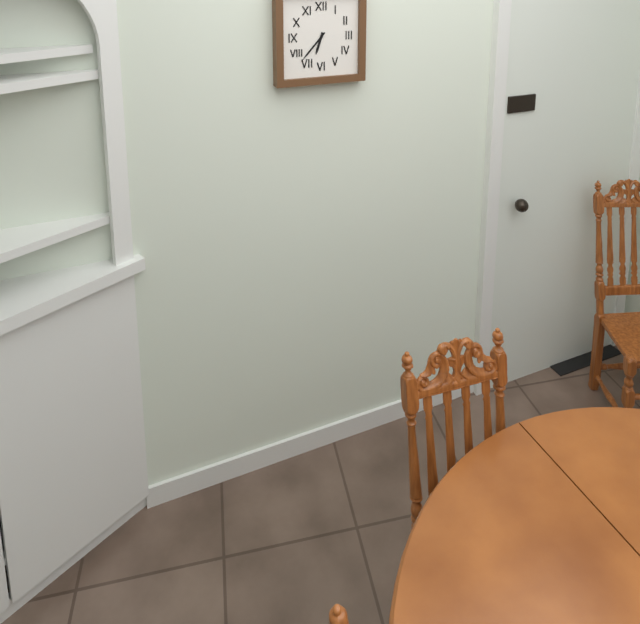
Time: 6h37
